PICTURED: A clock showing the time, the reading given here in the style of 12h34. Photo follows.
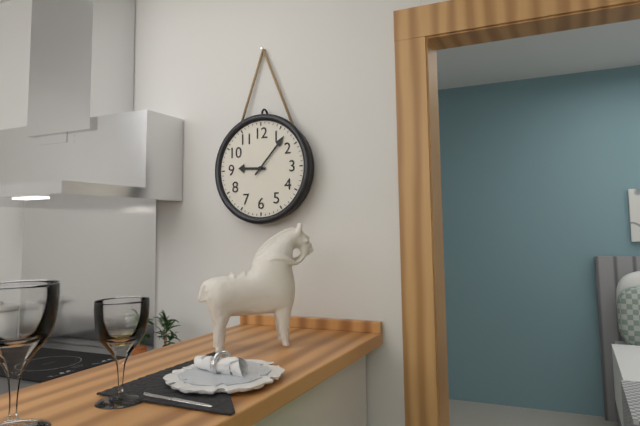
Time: 9h07
